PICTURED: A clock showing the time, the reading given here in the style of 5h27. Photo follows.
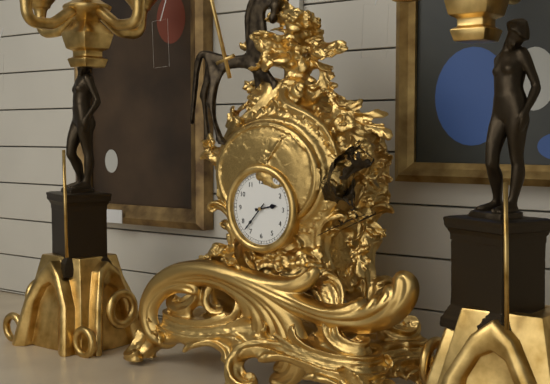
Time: 2h37
